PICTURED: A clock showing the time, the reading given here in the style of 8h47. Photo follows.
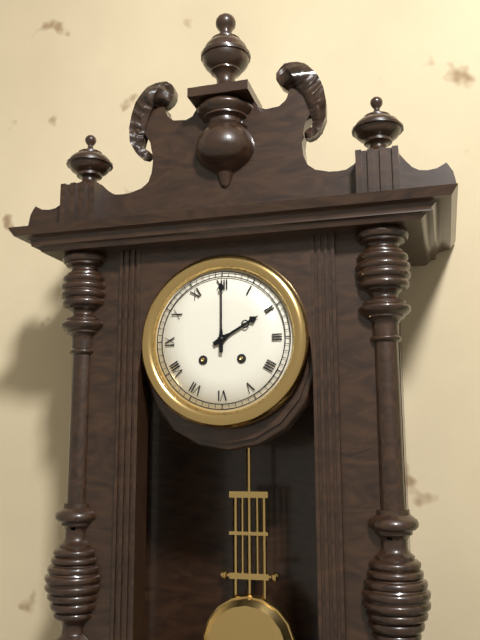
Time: 2h00
